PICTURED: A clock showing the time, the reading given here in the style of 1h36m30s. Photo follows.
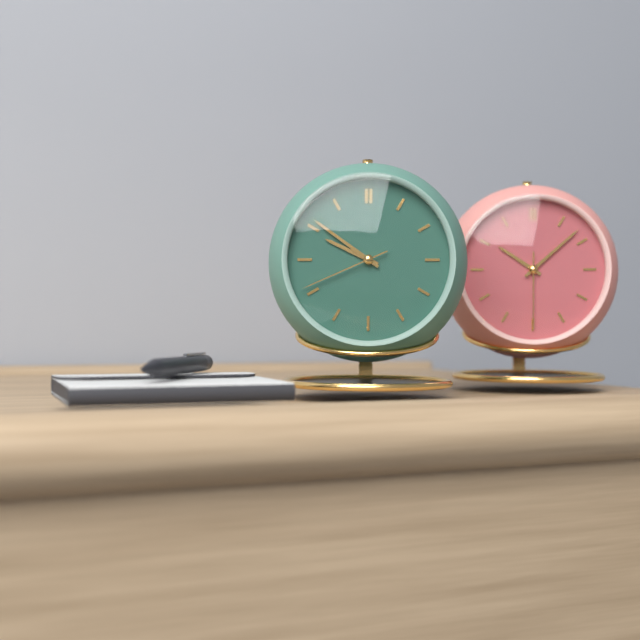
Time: 9h51m41s
